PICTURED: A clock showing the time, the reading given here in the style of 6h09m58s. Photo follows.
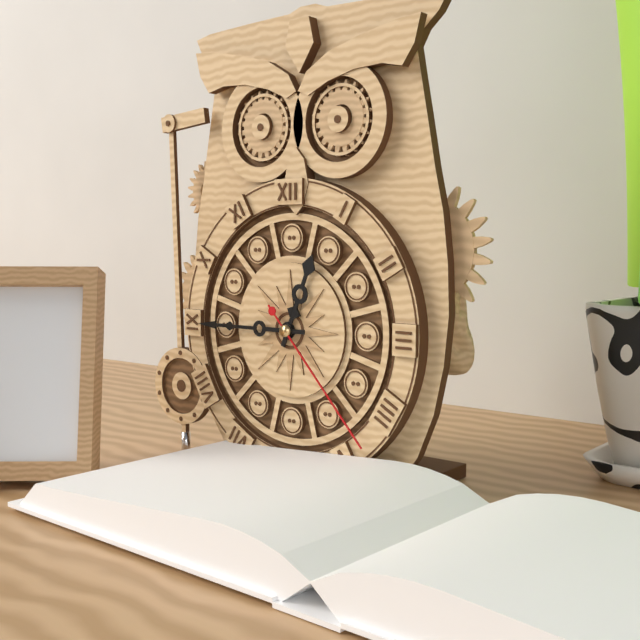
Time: 12h45m23s
